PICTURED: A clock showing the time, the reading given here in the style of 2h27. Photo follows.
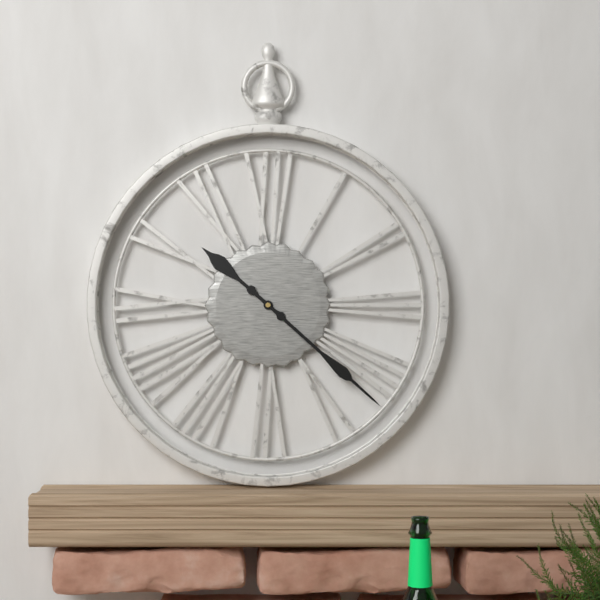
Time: 10h22
